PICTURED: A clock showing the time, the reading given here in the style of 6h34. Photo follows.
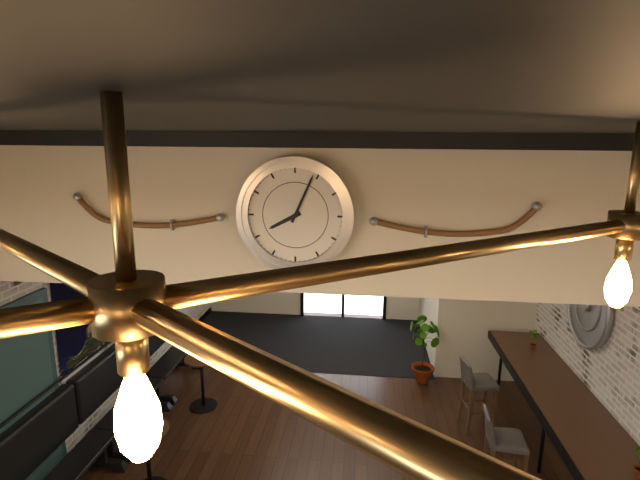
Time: 8h04
